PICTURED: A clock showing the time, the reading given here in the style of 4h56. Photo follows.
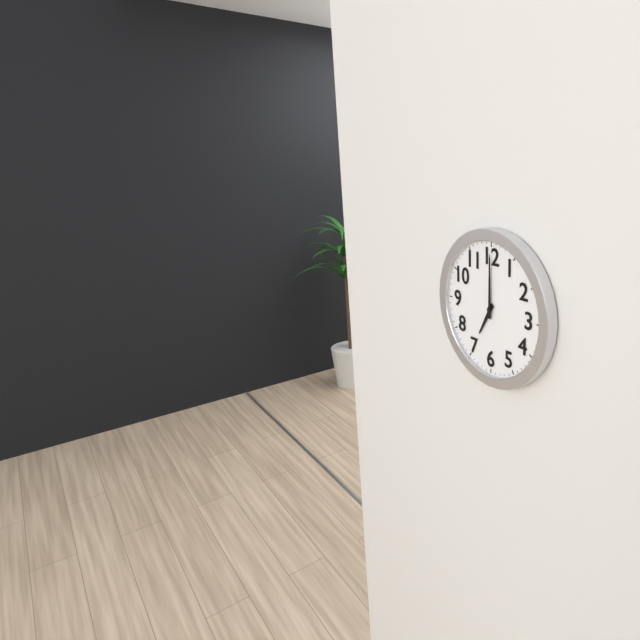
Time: 7h00
